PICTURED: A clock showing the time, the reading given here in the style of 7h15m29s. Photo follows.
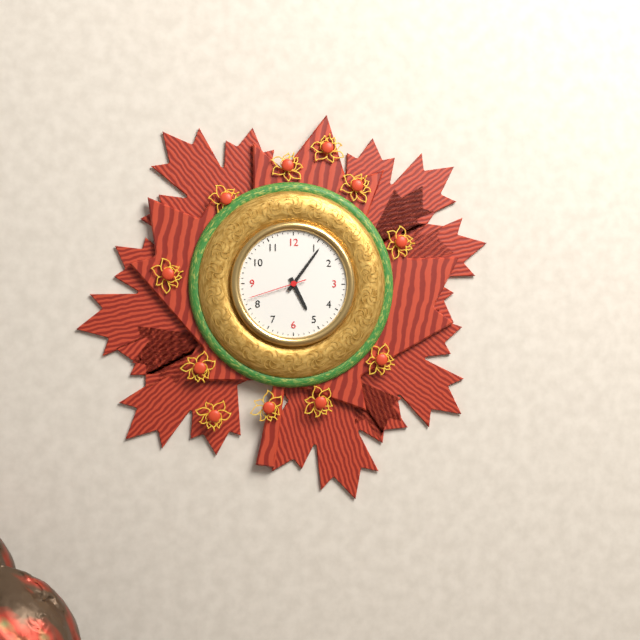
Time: 5h06m42s
